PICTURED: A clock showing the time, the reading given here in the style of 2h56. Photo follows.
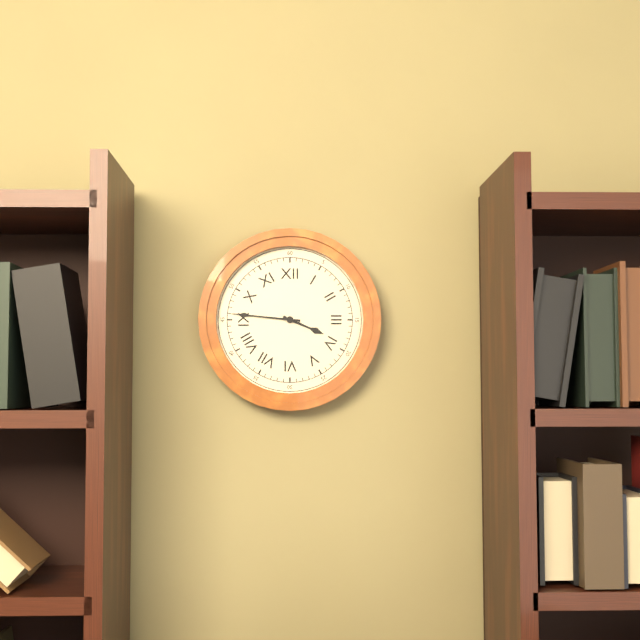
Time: 3h46
